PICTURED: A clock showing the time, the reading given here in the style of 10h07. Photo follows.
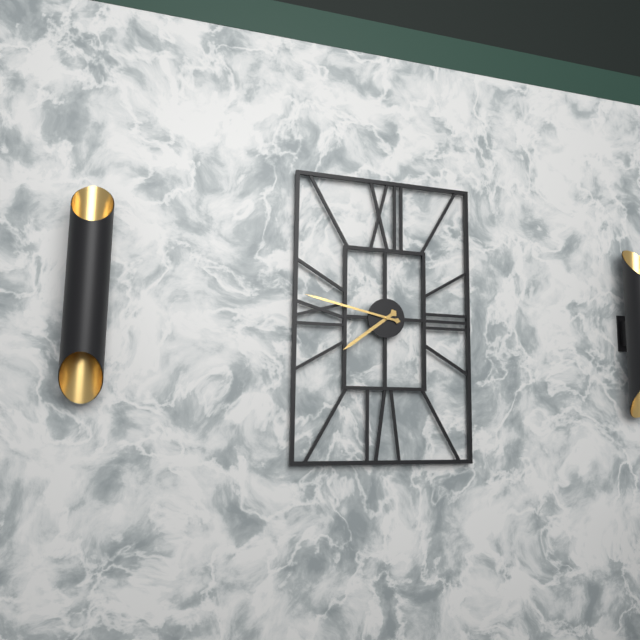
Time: 7h47
